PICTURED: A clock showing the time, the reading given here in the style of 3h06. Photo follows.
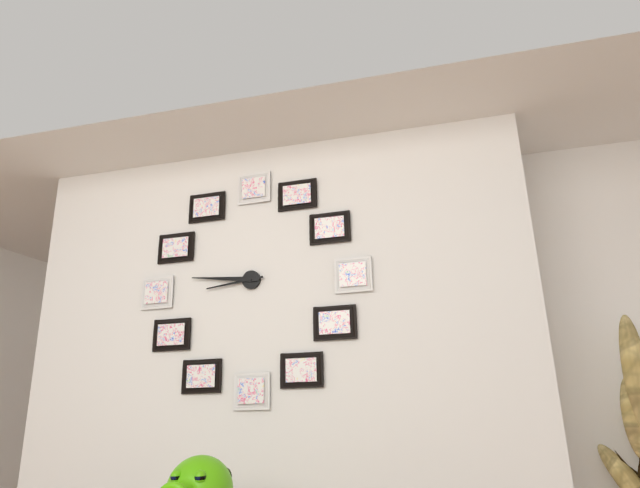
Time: 8h46
